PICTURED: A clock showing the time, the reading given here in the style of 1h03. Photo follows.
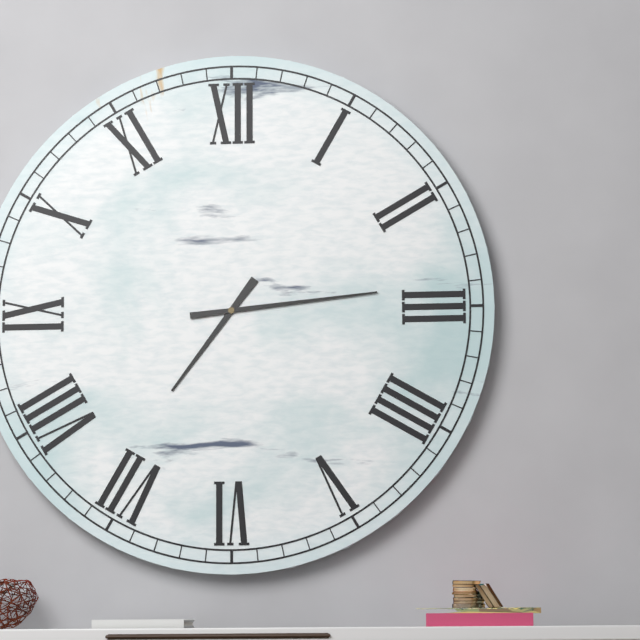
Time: 7h14
